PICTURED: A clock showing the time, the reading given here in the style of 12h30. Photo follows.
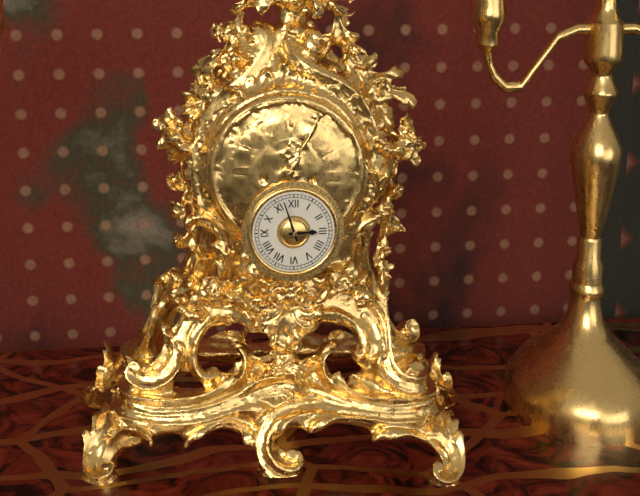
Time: 2h57
